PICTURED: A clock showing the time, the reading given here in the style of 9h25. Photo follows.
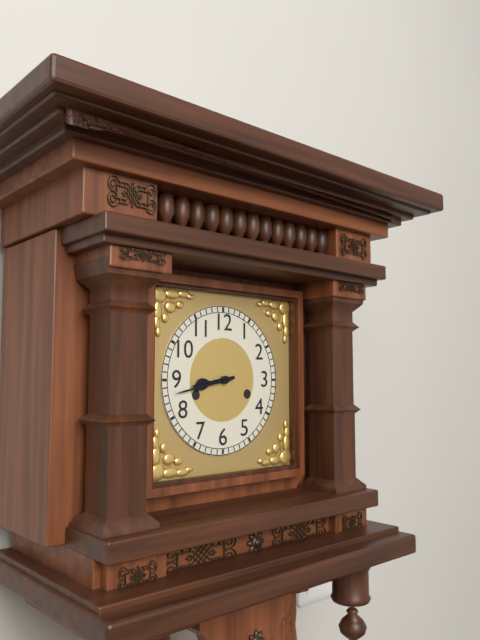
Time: 8h43
